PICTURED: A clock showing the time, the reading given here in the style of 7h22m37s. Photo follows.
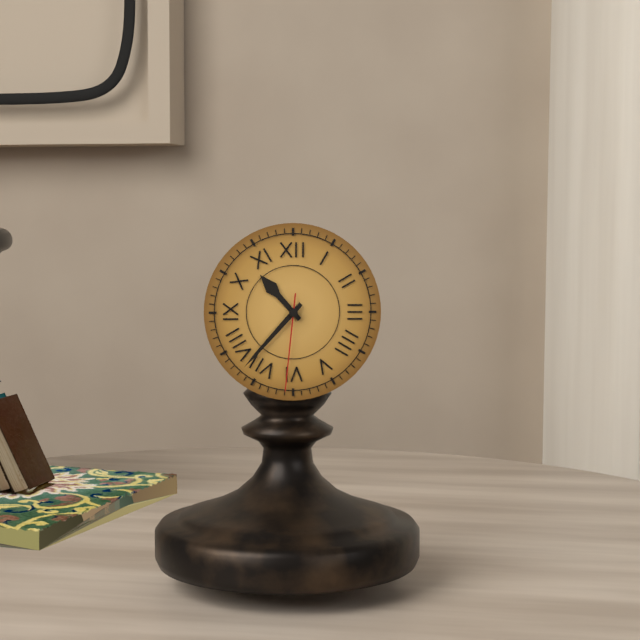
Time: 10h37m31s
